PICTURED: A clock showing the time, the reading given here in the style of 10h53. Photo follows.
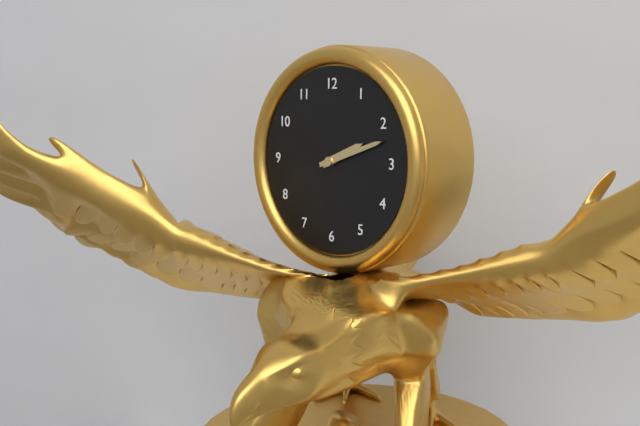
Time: 2h12
